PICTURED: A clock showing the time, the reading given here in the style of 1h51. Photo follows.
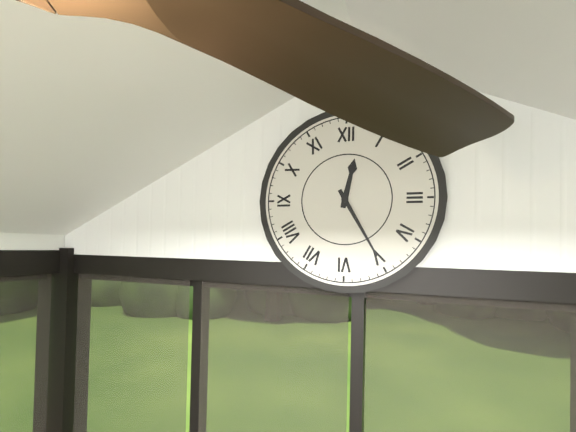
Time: 12h25
